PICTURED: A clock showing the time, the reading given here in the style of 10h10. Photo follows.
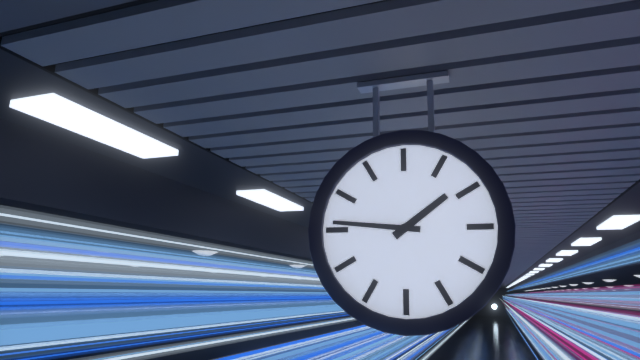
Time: 1h46
